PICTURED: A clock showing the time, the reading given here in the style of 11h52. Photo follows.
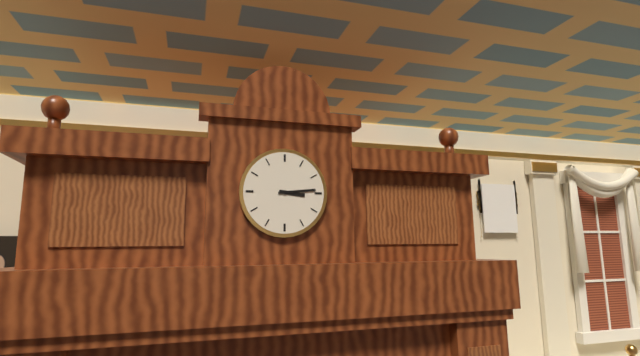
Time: 3h14
